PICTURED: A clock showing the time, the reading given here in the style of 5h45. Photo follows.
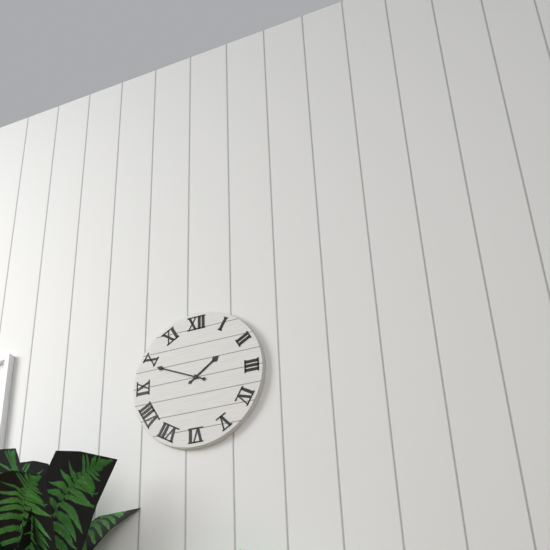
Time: 1h49
